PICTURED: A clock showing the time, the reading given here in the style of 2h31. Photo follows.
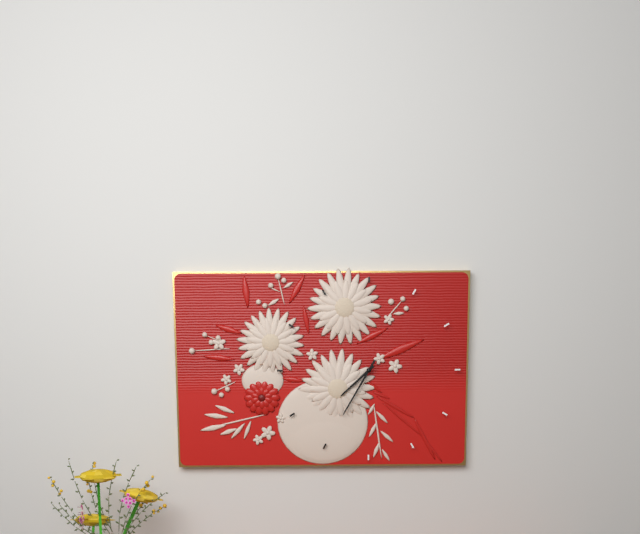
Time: 7h35
